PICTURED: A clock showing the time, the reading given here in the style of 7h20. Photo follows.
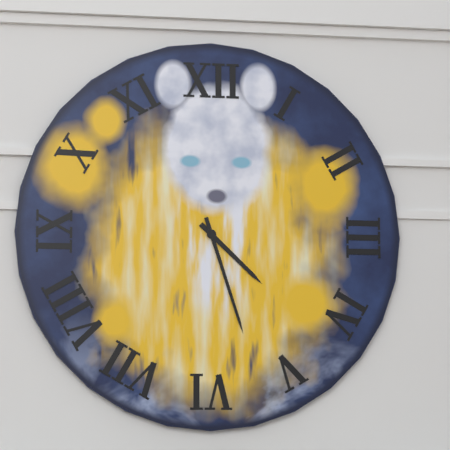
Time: 4h27
